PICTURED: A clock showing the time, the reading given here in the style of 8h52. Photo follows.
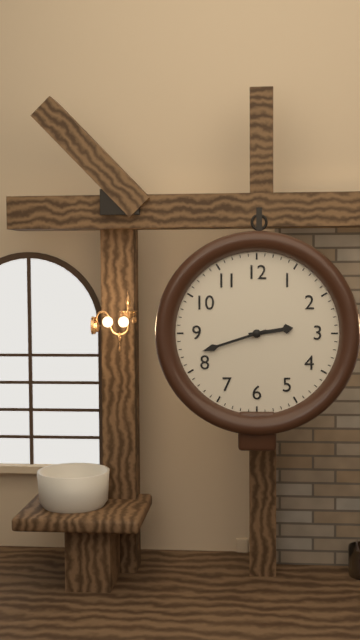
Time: 2h42
